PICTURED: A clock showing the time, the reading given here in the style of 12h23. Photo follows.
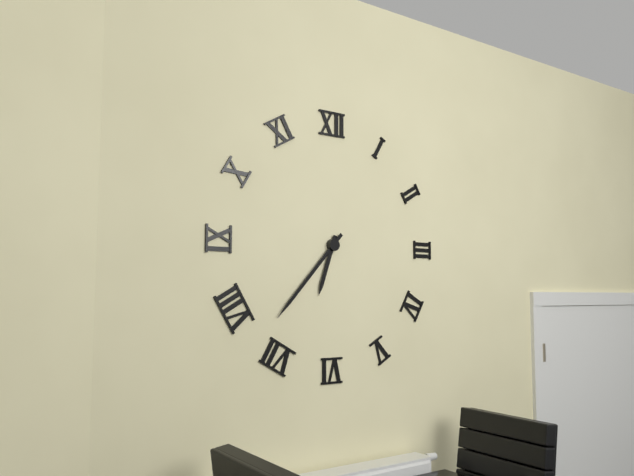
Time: 6h37
